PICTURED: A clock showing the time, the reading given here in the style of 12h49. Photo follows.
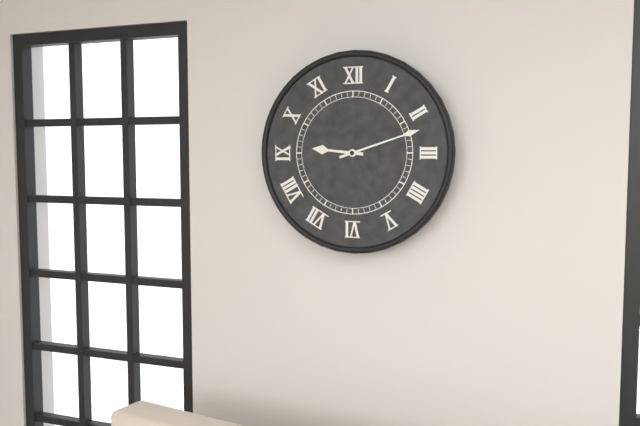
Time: 9h12
